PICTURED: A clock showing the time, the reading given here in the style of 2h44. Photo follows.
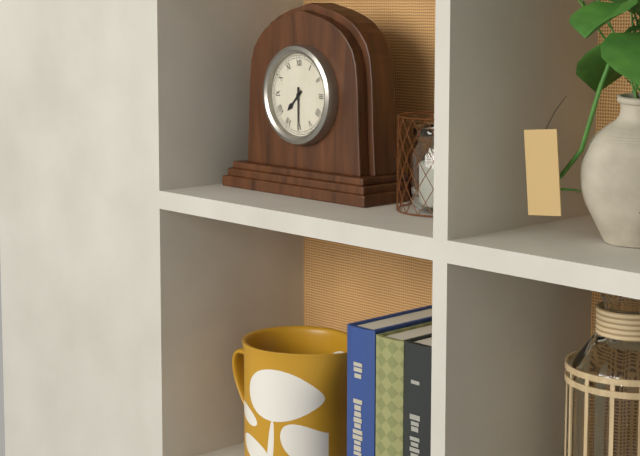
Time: 7h30
